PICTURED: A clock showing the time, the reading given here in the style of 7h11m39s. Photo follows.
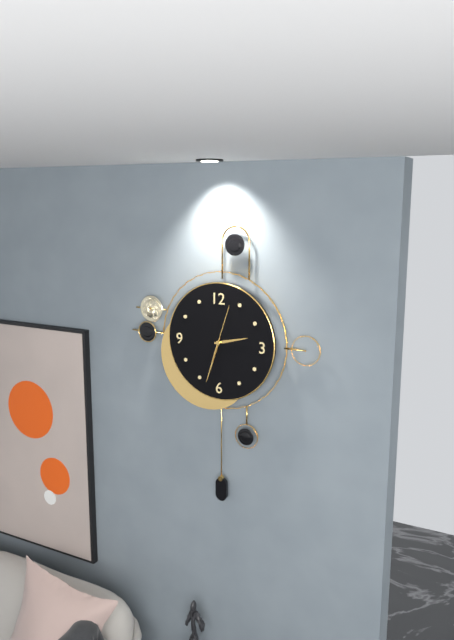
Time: 2h33m03s
